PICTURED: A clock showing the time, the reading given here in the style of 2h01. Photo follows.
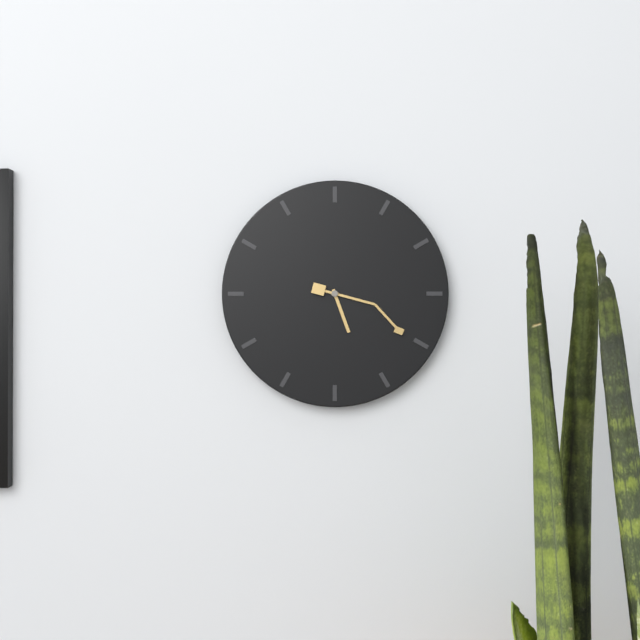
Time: 5h20
